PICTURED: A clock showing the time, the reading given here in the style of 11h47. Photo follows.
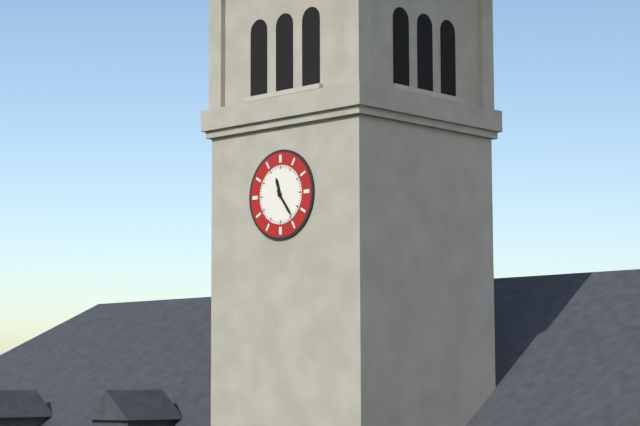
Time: 11h24
